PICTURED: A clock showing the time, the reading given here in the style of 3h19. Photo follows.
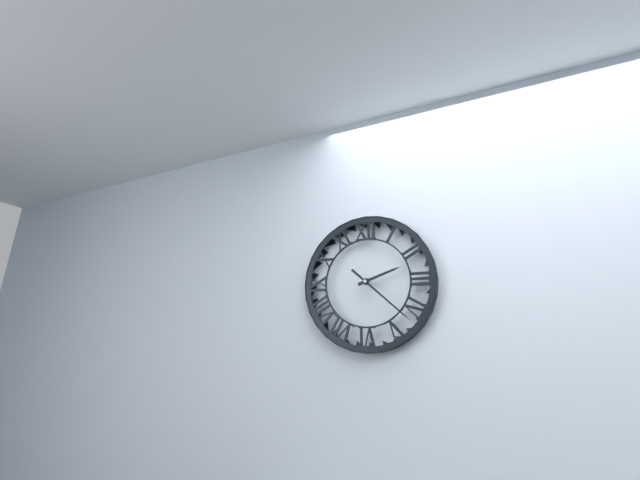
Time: 2h22
